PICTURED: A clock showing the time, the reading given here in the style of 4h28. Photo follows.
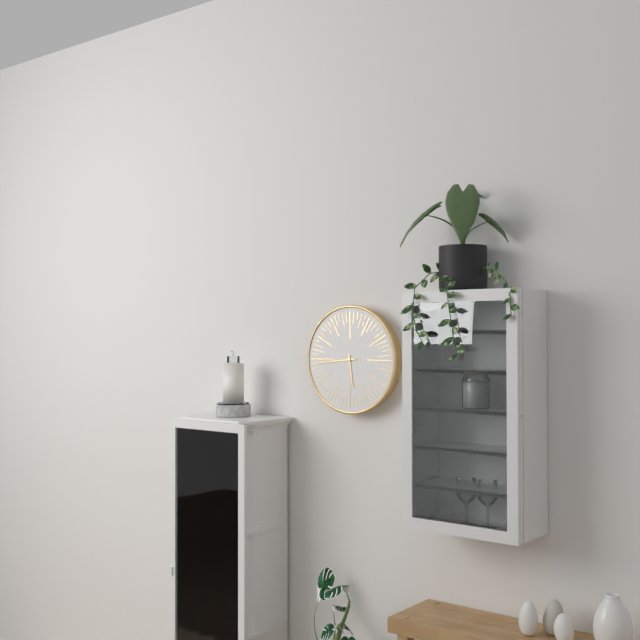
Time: 5h44
